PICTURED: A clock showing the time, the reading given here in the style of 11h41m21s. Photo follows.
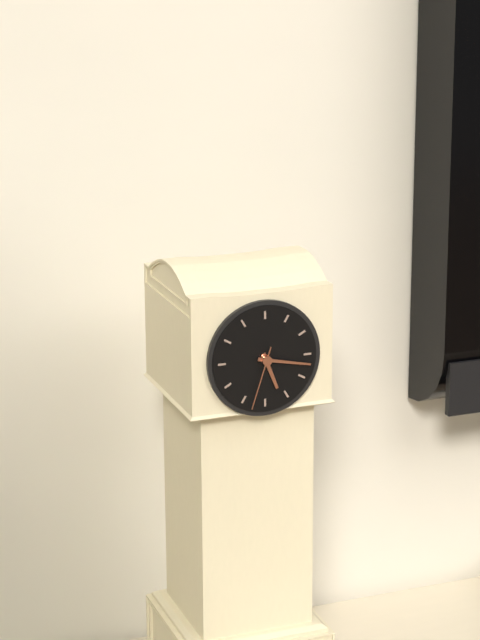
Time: 5h17m33s
